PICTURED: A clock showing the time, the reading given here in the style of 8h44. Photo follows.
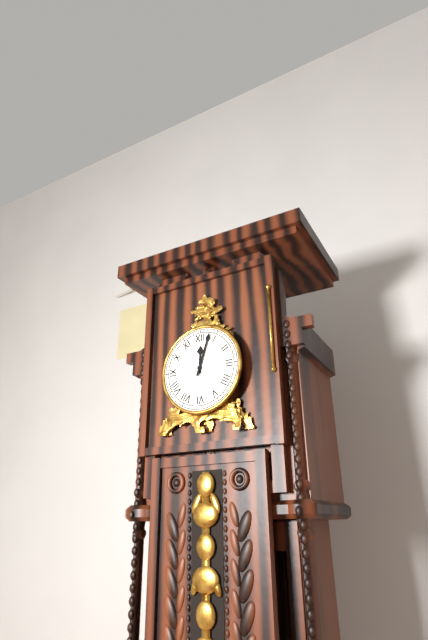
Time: 12h03
